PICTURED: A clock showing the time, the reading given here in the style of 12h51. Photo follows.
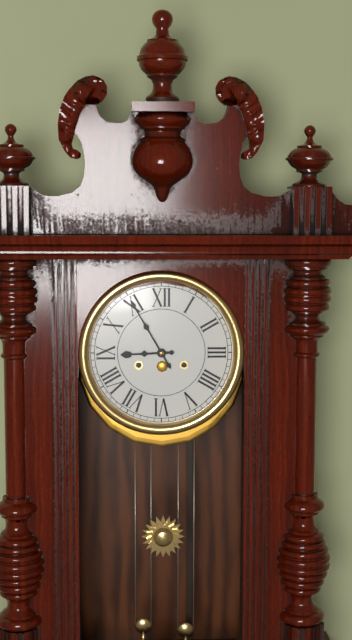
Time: 8h55
